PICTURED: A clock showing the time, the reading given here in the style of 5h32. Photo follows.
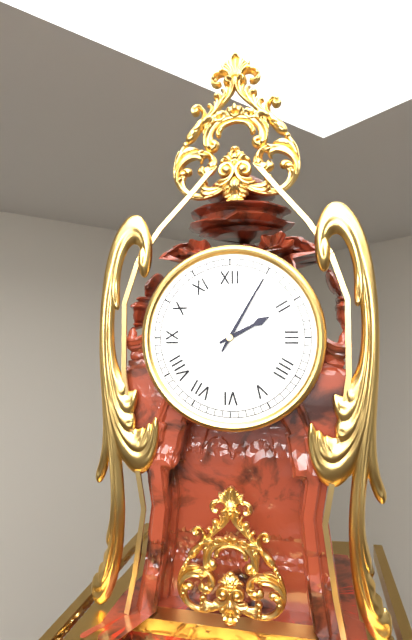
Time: 2h05
